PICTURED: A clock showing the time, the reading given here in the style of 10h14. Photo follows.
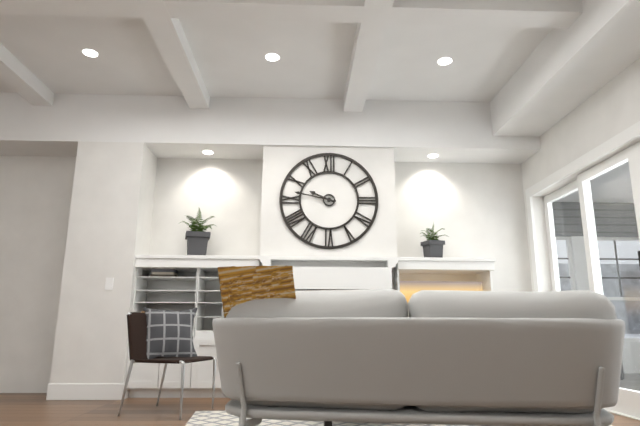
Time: 9h47
